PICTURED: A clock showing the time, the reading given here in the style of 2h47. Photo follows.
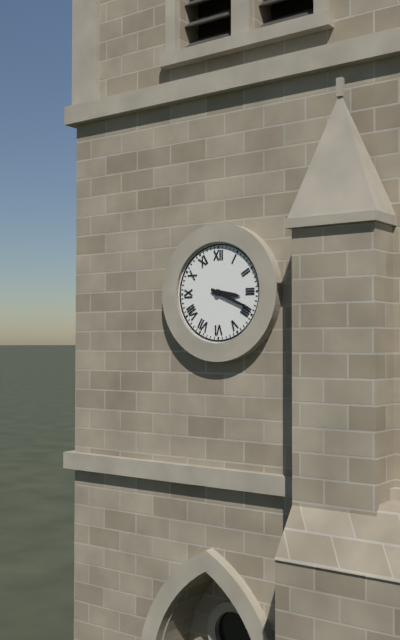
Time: 3h19
